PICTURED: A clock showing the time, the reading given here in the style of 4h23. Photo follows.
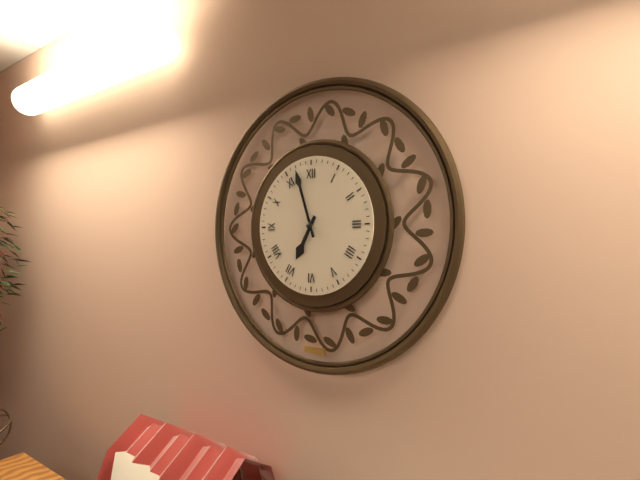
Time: 6h57
